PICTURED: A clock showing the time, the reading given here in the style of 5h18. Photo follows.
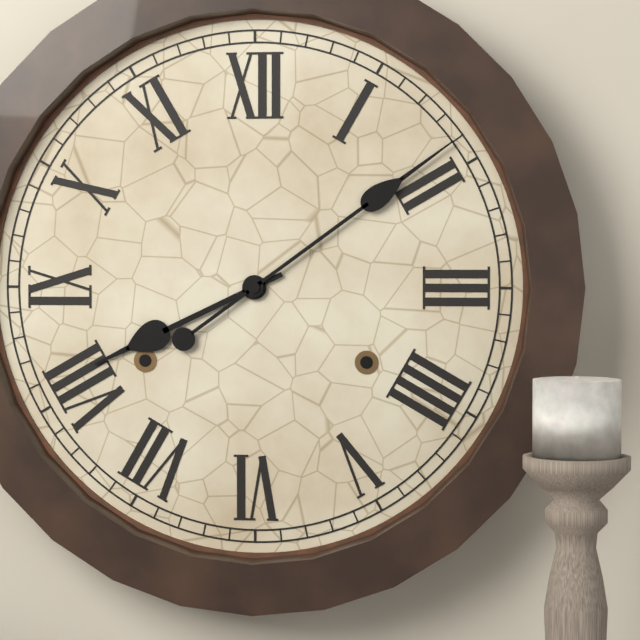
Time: 8h09
